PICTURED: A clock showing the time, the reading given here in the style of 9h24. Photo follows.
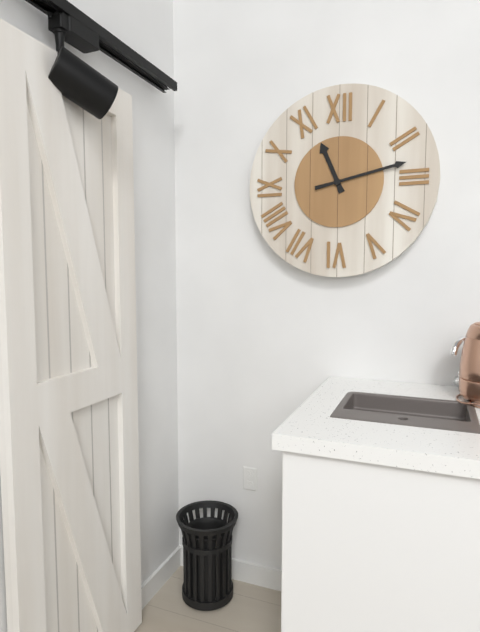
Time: 11h13
